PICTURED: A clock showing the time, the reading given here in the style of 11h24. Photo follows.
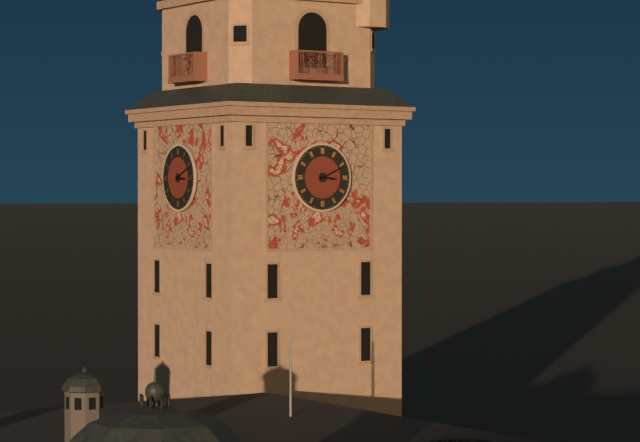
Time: 3h11
